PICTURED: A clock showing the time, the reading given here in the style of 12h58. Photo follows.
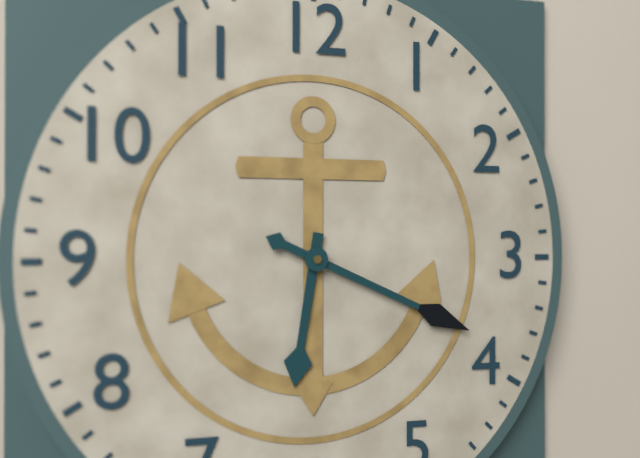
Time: 6h19
